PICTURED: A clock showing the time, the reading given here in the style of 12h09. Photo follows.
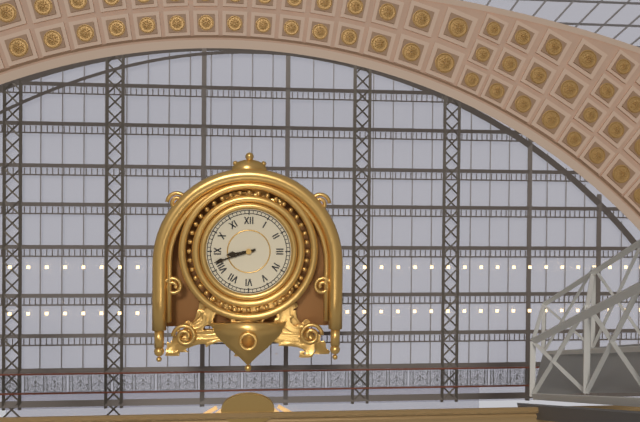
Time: 8h42
